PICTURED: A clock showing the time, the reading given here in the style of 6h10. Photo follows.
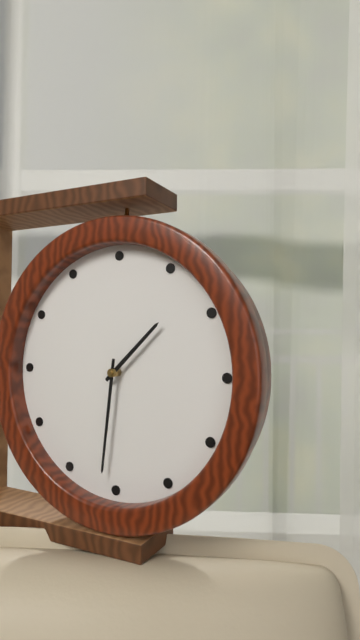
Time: 1h31
